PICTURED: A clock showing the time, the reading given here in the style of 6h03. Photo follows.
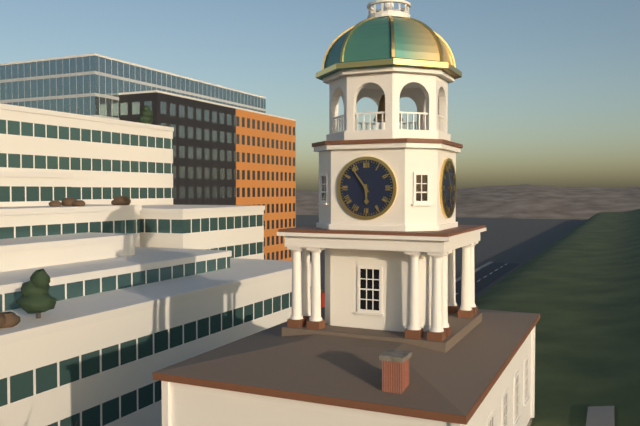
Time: 5h54
